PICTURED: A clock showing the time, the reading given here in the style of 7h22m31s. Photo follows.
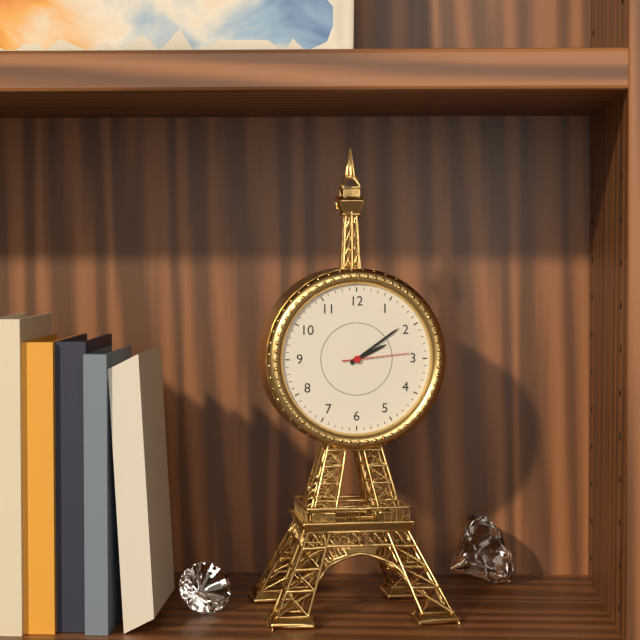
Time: 2h09m14s
